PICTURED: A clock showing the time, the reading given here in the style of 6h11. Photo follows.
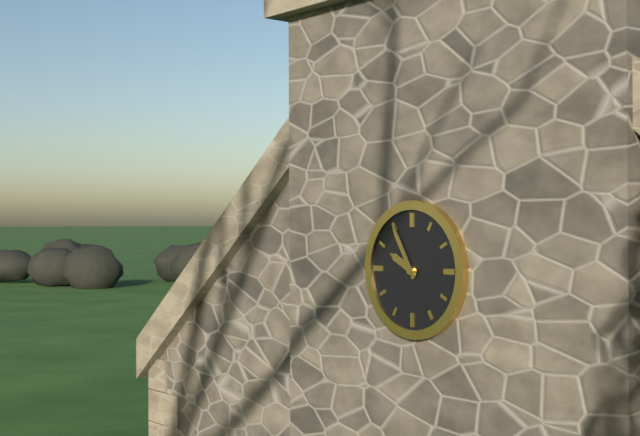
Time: 9h55
